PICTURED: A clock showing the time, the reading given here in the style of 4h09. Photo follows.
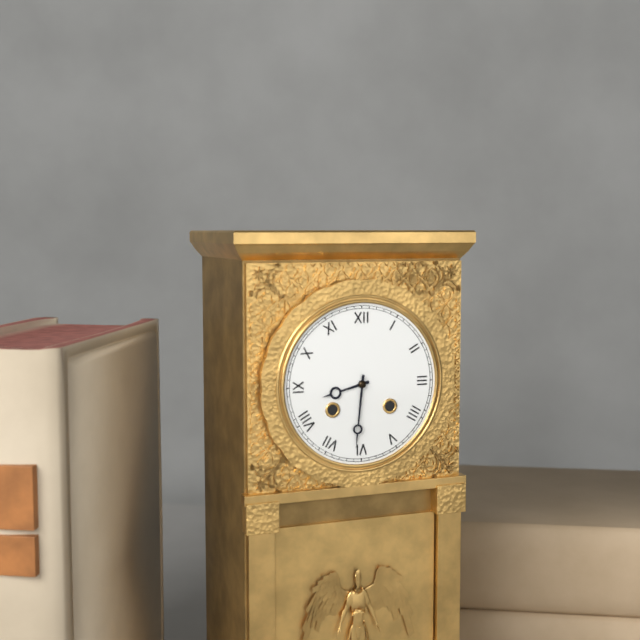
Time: 8h31
